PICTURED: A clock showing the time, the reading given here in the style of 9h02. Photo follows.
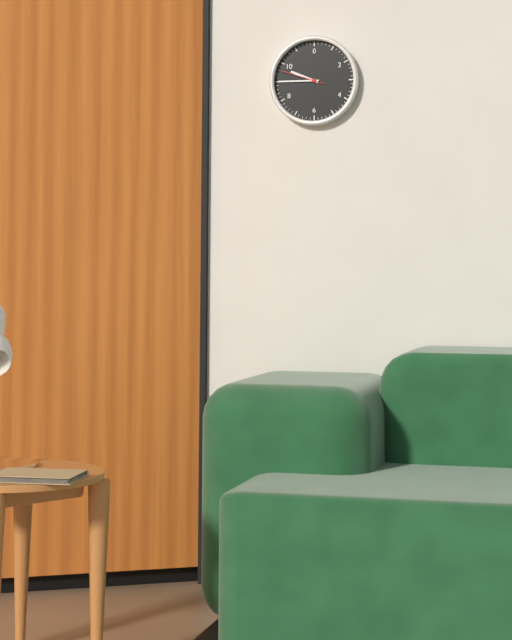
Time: 9h45
